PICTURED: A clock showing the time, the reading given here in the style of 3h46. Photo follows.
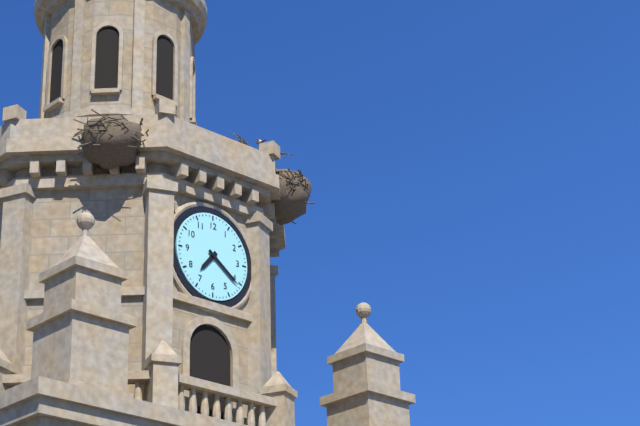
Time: 7h21
